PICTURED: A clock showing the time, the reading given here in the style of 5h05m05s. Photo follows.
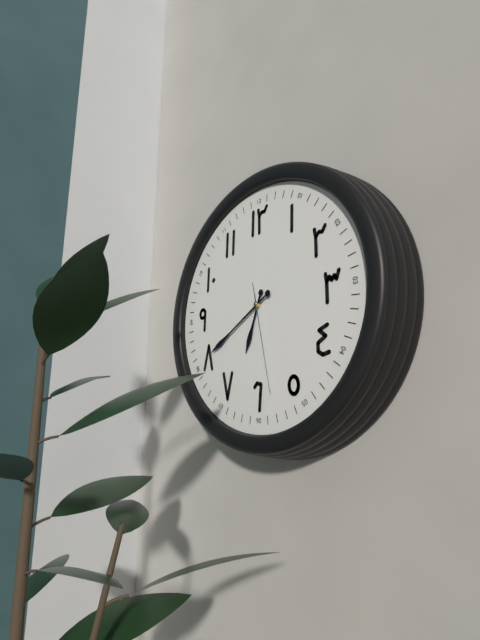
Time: 6h40m28s
